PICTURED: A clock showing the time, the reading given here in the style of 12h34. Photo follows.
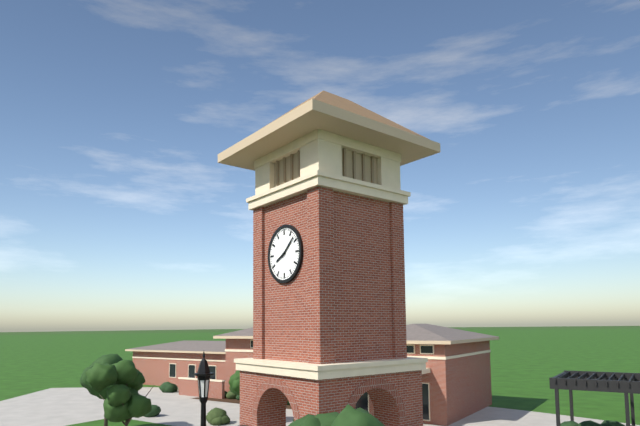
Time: 8h08
